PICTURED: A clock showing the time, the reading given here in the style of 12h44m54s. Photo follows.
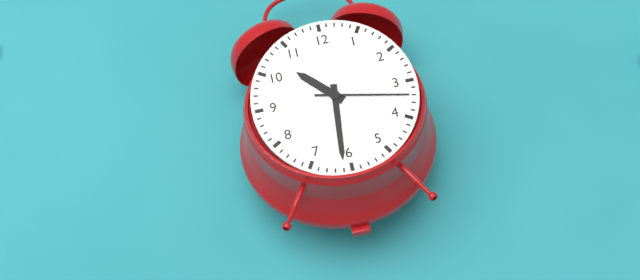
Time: 10h31m17s
